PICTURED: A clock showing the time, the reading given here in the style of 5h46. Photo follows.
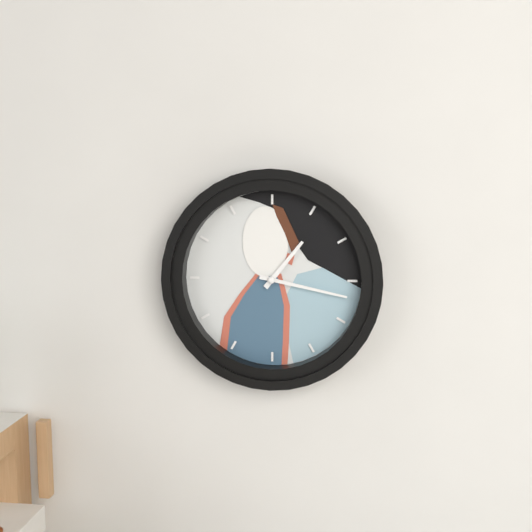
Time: 1h17
